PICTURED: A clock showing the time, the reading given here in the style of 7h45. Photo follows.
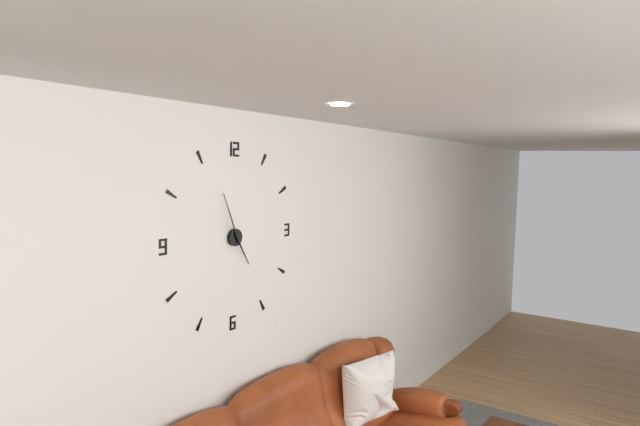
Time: 4h56
